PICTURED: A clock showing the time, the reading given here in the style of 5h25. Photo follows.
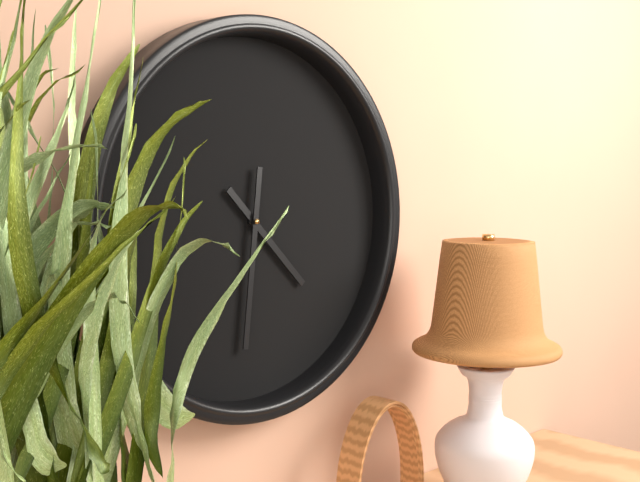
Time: 4h31
